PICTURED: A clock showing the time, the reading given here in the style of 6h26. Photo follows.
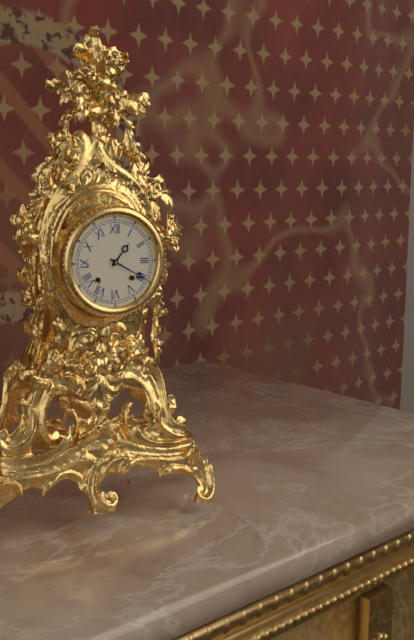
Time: 1h20
